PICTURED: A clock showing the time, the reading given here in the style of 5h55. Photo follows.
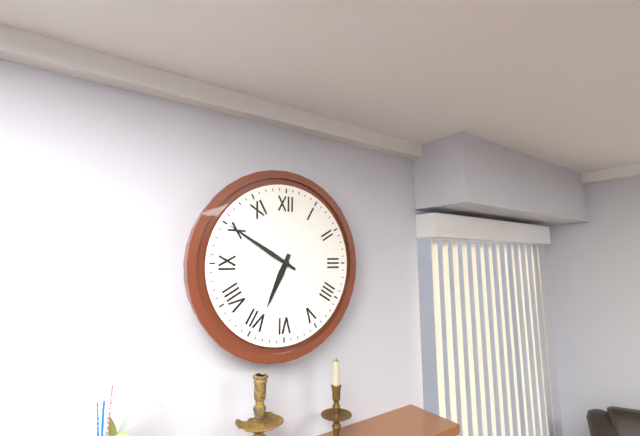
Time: 6h50
